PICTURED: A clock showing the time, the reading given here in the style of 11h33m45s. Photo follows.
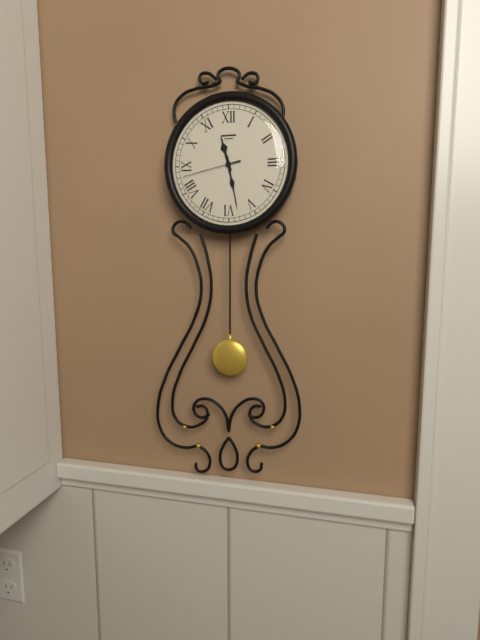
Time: 11h28m43s
